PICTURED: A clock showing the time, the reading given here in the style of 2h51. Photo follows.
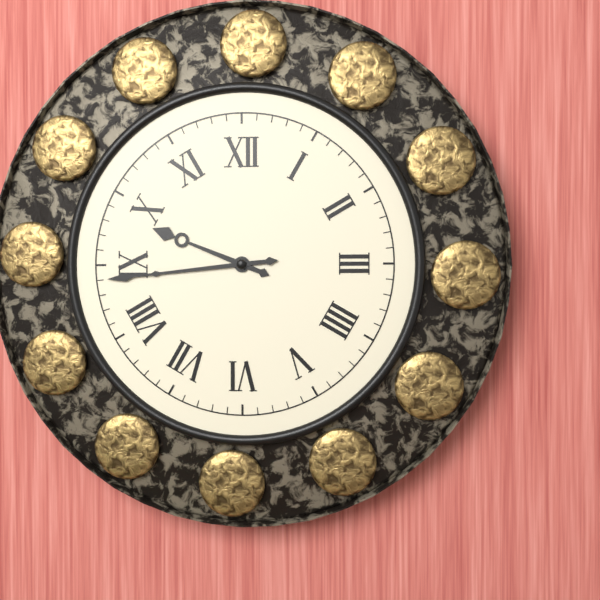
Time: 9h44
